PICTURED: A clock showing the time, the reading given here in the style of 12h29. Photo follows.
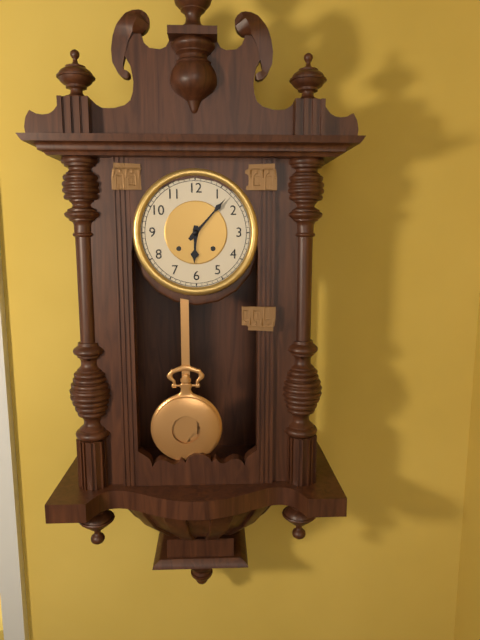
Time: 6h07
